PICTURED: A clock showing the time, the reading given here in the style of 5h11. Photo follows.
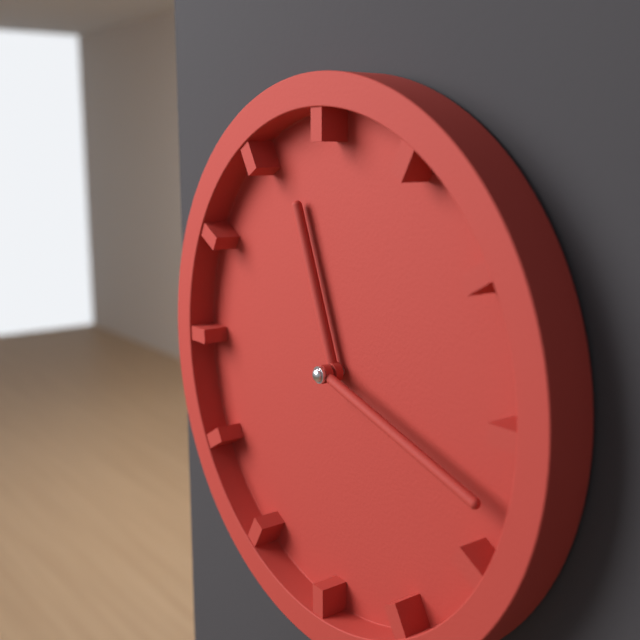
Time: 11h18
